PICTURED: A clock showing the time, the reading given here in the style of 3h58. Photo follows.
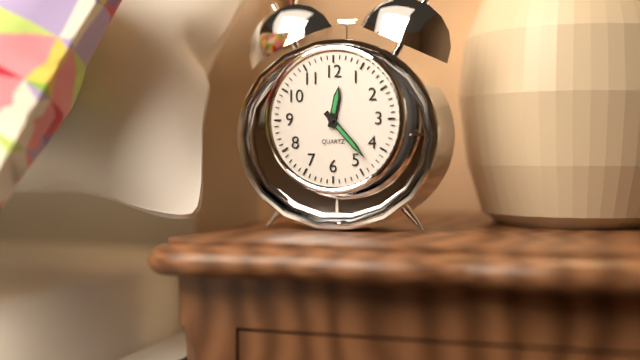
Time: 12h23
